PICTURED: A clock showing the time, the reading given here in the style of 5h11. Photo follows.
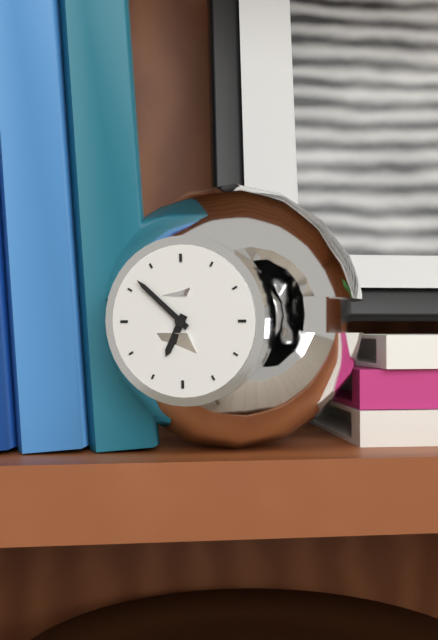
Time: 6h52
